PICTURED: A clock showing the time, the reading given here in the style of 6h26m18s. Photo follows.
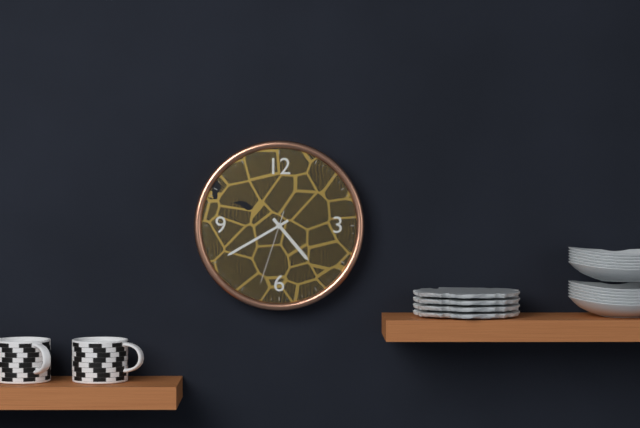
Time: 4h40m33s
